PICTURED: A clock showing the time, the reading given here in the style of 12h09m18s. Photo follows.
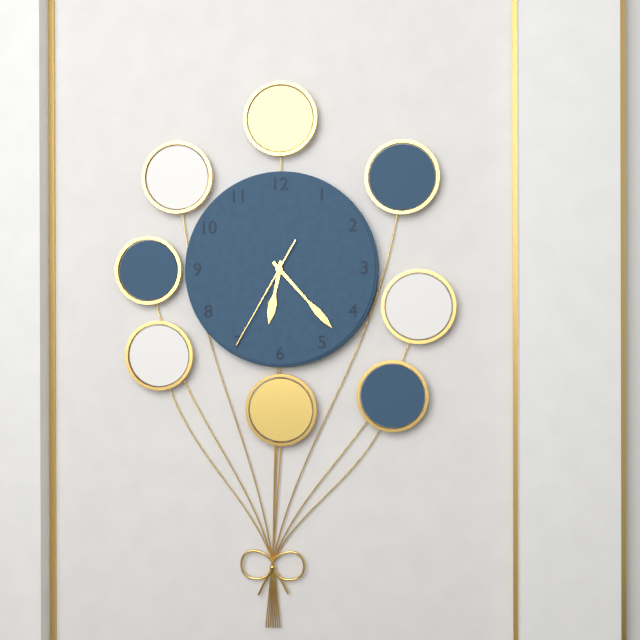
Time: 6h23m35s
